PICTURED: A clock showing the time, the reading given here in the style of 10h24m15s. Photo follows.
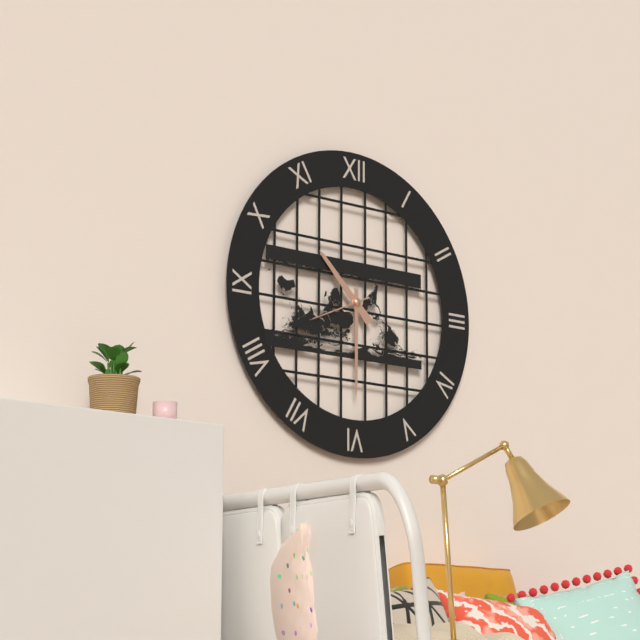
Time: 10h30m41s
